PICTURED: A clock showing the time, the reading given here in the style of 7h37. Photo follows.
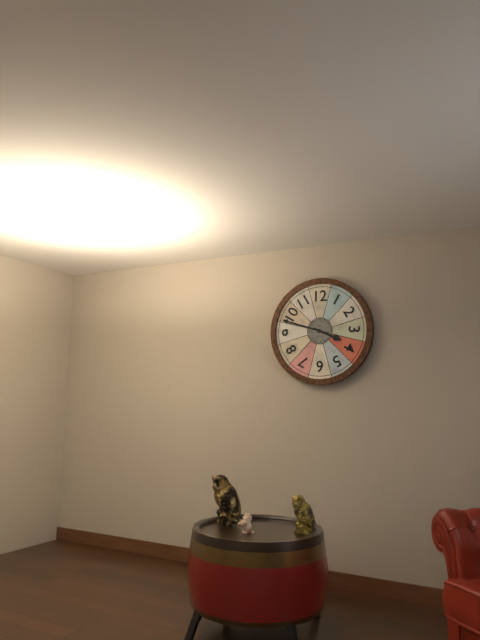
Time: 3h48
